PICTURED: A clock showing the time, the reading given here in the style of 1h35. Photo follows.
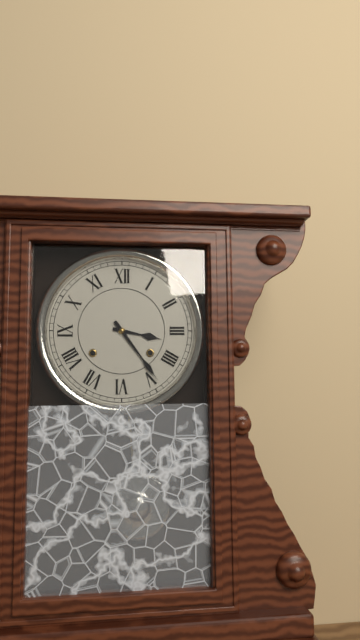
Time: 3h24
